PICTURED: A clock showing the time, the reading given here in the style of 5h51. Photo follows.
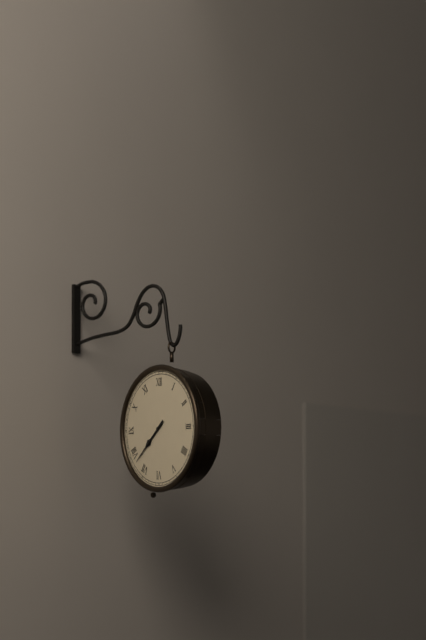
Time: 7h38
